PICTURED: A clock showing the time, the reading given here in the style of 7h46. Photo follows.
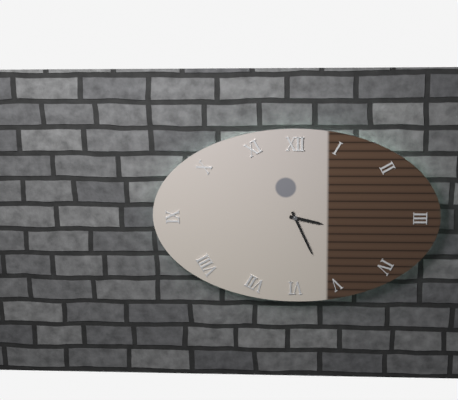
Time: 3h26
